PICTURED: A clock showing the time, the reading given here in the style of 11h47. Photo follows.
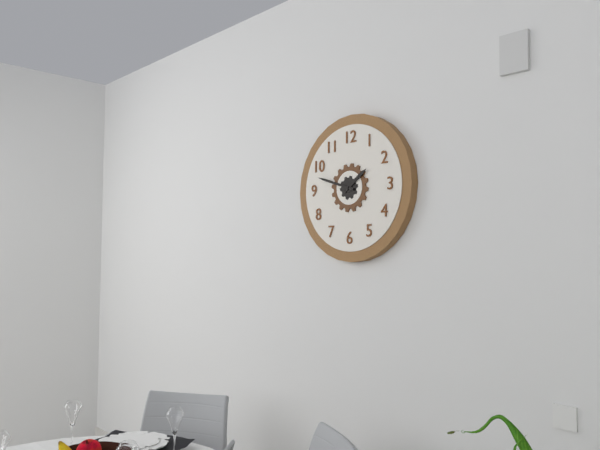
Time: 1h48
